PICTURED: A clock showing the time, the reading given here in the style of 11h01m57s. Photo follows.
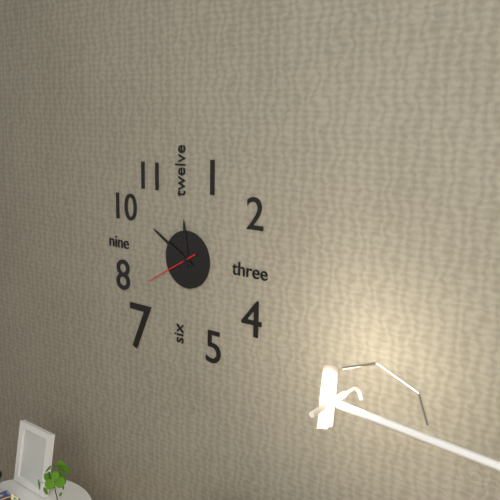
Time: 11h50m40s
